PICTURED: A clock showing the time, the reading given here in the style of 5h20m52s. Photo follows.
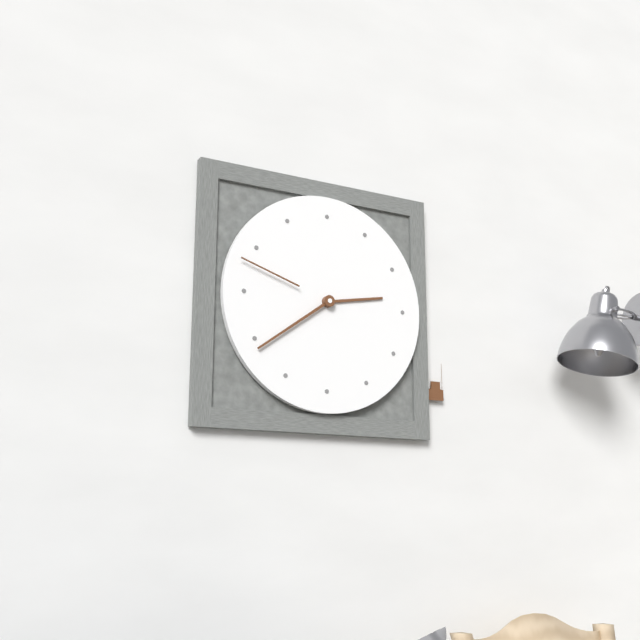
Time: 2h39m48s
